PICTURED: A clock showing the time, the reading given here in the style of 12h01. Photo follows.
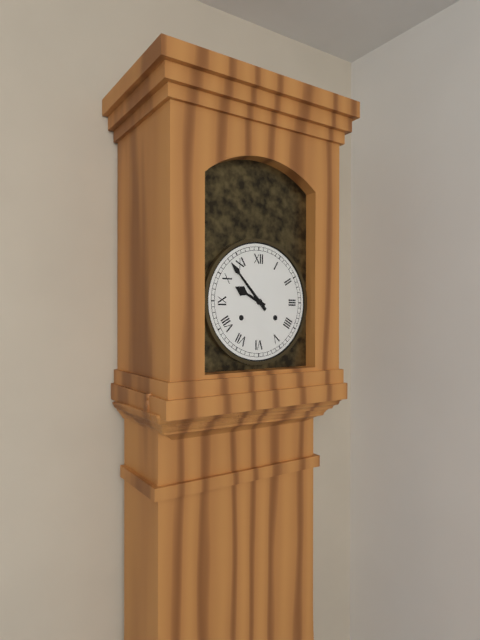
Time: 9h53
